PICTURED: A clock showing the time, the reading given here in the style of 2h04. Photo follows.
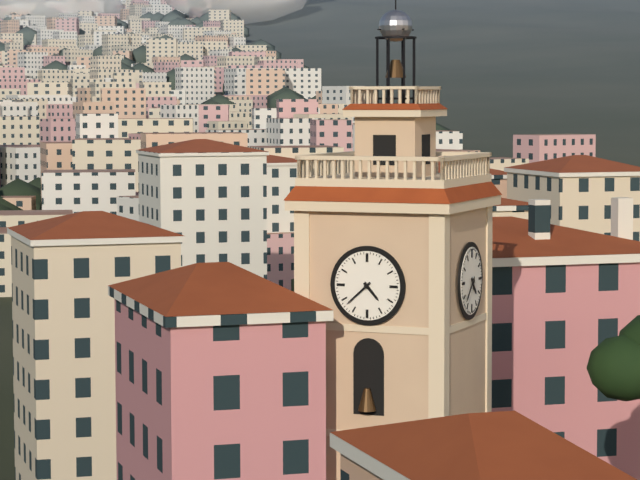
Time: 4h38
